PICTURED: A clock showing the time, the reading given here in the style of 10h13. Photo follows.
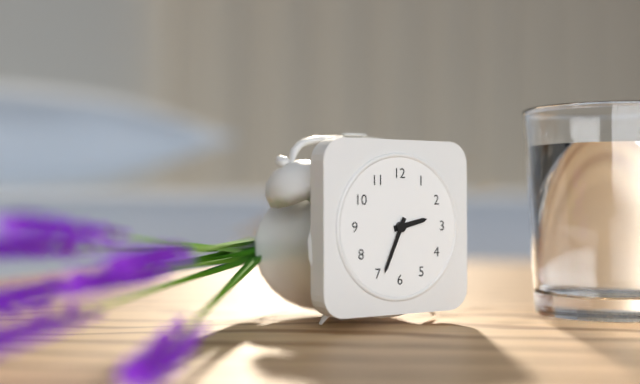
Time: 2h34
